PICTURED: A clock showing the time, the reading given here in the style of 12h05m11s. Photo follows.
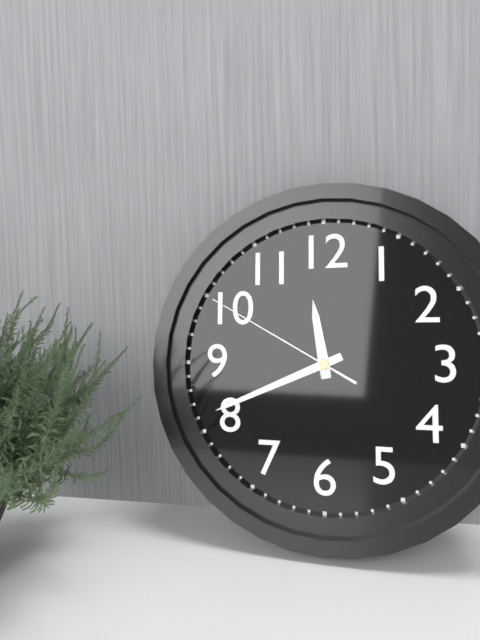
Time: 11h41m50s
